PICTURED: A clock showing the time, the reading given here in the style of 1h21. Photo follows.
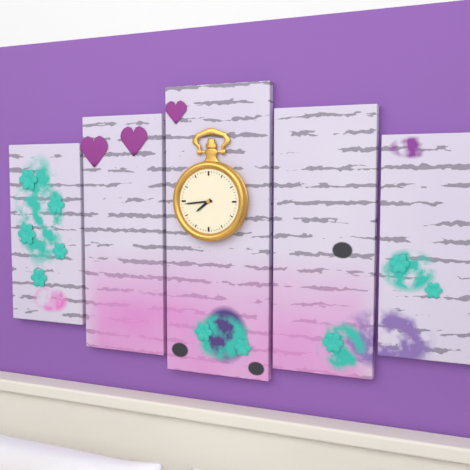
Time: 7h44
